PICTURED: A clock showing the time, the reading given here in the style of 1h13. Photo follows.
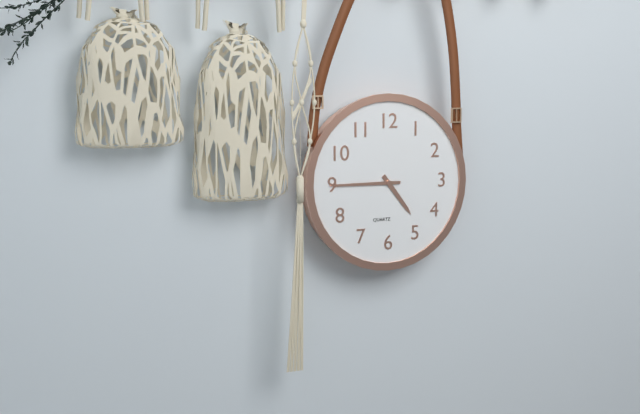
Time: 4h45
